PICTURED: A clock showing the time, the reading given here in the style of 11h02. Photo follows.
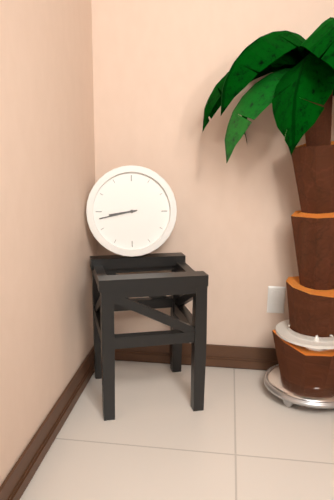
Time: 8h43
